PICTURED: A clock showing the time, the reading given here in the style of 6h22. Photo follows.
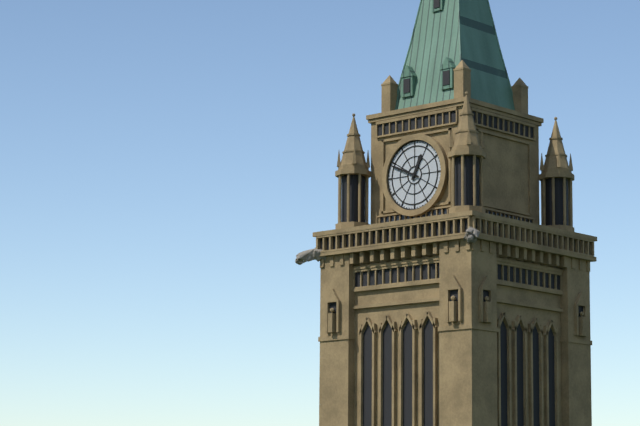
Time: 12h49
